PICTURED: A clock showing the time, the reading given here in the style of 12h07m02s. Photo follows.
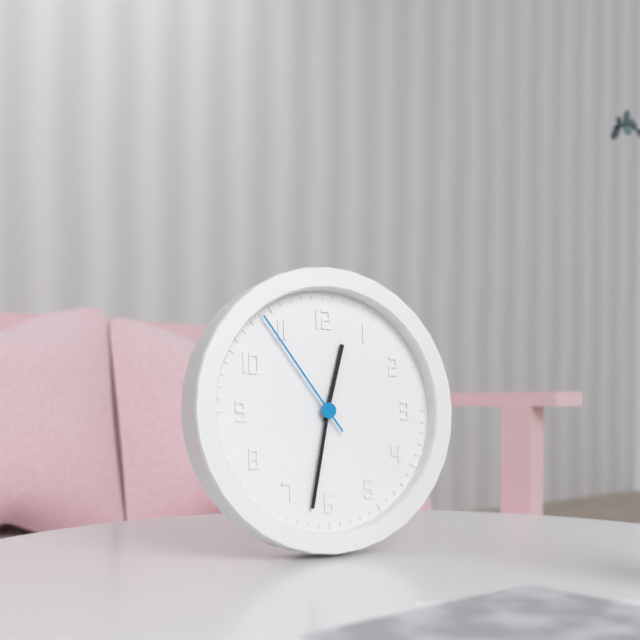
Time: 12h32m54s
